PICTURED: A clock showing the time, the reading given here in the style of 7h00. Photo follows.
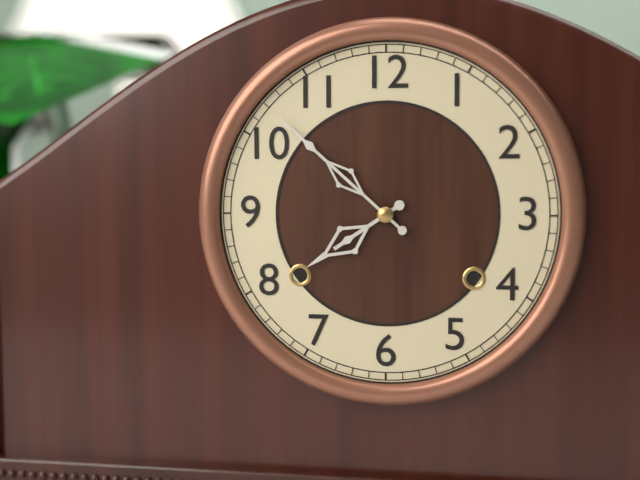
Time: 7h52
